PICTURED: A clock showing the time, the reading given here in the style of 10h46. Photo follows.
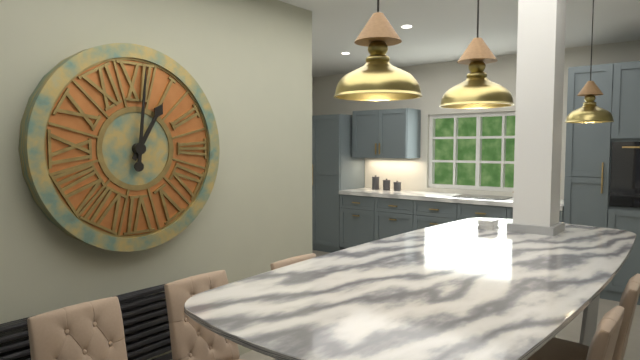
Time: 1h01
